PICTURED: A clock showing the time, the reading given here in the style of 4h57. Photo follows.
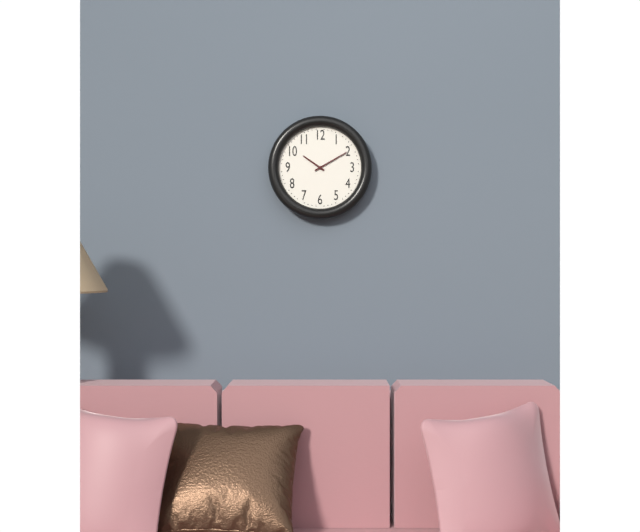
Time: 10h10
